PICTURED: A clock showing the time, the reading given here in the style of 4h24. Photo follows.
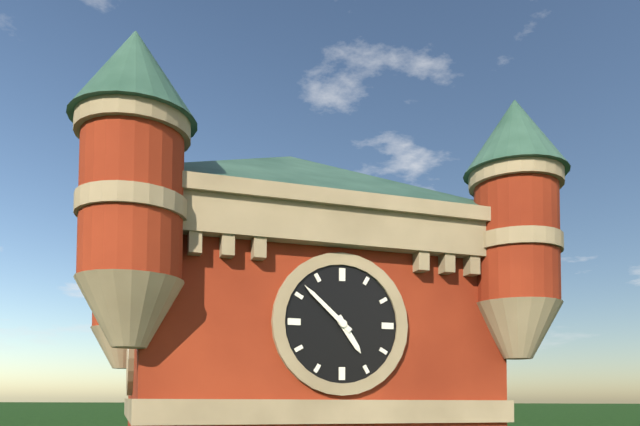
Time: 4h52
